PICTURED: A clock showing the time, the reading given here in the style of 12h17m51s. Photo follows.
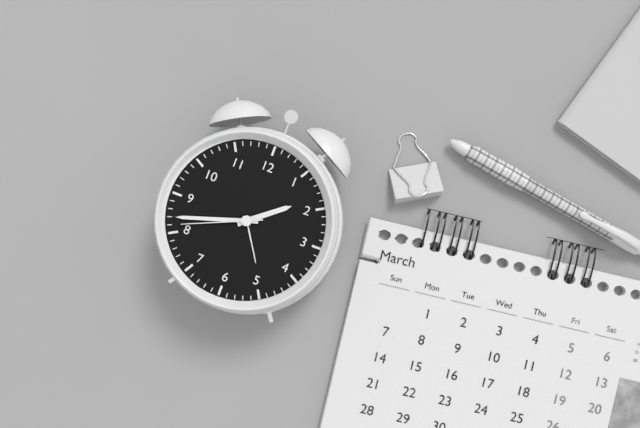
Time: 1h42m41s
